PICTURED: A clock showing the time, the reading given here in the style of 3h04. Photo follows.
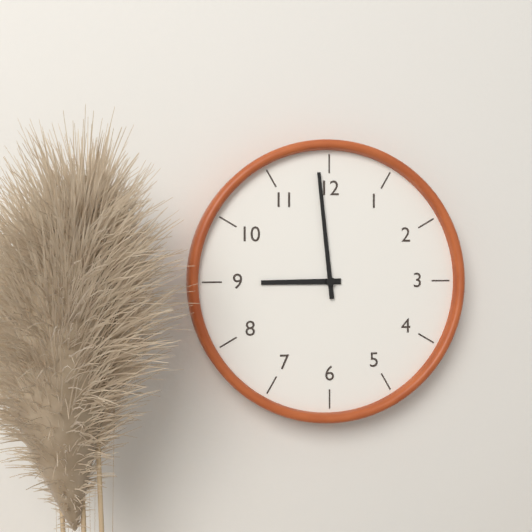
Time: 8h59
